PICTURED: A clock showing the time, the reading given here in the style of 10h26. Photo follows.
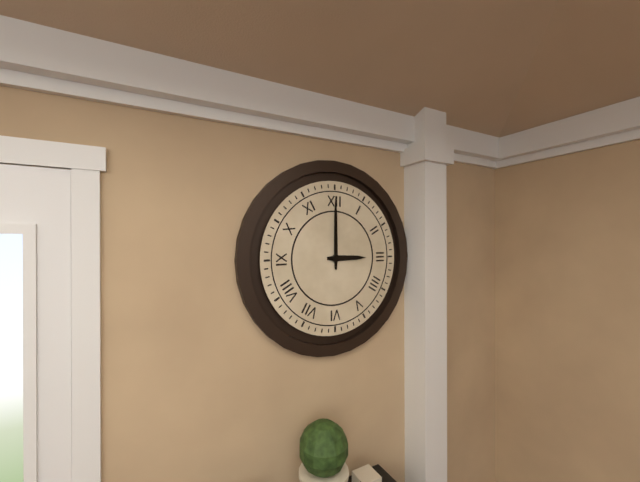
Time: 3h00
